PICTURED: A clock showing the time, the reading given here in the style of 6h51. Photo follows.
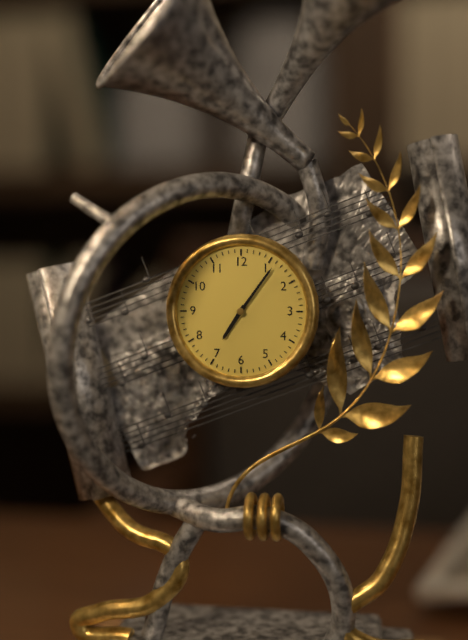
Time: 7h06
